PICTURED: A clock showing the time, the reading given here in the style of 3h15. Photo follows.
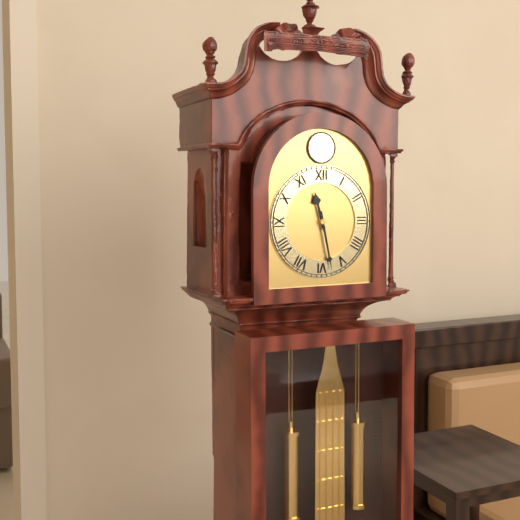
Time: 11h28
